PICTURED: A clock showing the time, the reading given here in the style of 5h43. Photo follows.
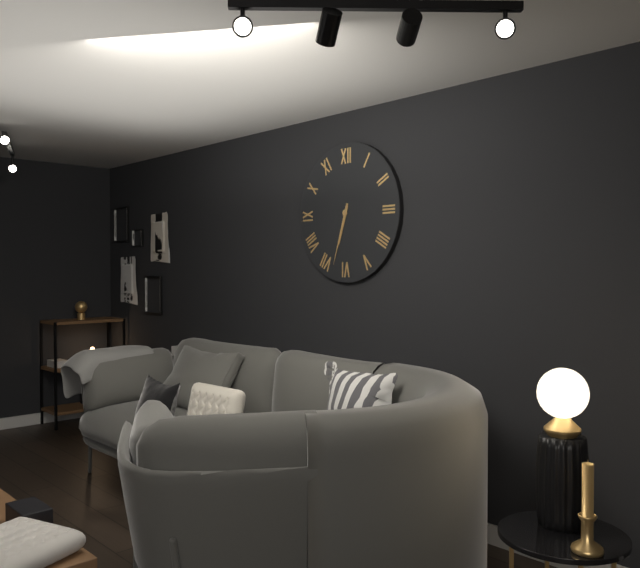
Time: 6h33
